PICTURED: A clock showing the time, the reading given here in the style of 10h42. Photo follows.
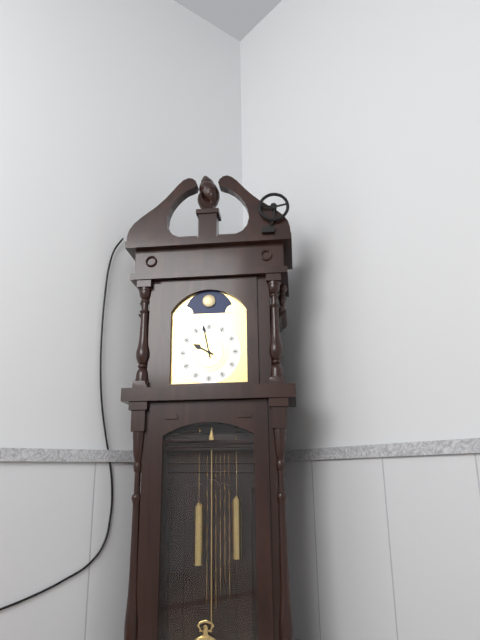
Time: 9h58
